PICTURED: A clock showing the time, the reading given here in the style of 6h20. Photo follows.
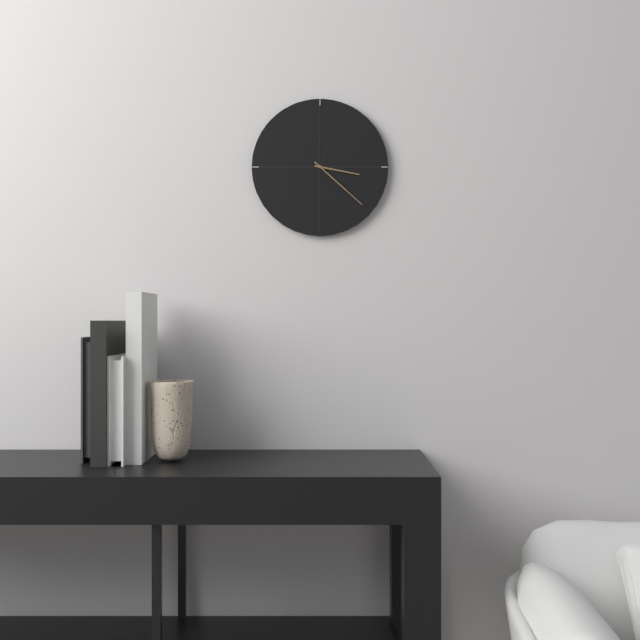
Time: 3h22
